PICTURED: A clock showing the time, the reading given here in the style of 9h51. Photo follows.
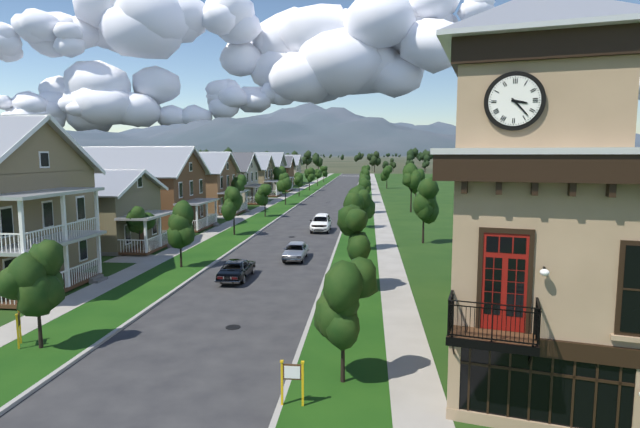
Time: 3h23
